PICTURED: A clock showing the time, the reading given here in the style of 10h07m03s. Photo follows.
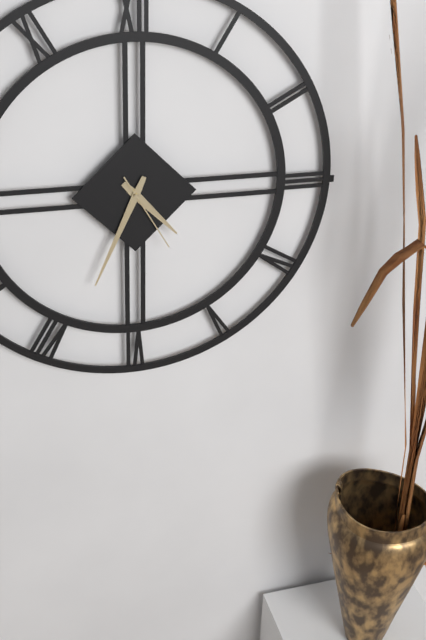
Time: 4h34m25s
